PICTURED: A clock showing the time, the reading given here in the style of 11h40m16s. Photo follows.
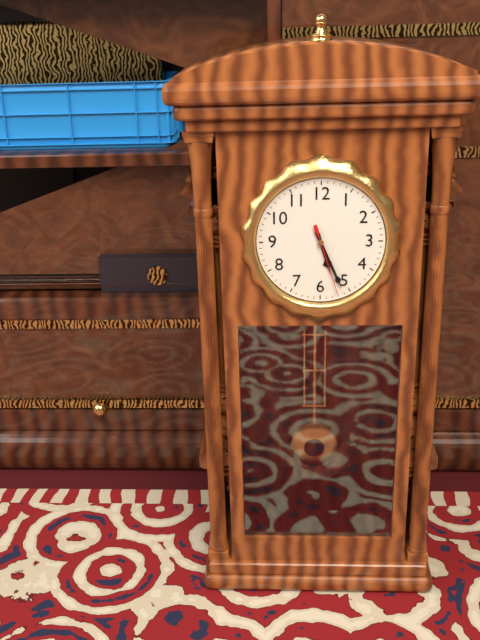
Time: 5h26m27s
